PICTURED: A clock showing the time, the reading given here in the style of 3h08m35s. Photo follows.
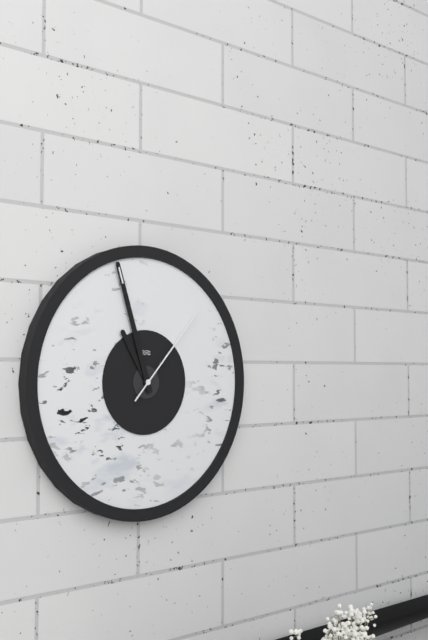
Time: 10h57m07s
